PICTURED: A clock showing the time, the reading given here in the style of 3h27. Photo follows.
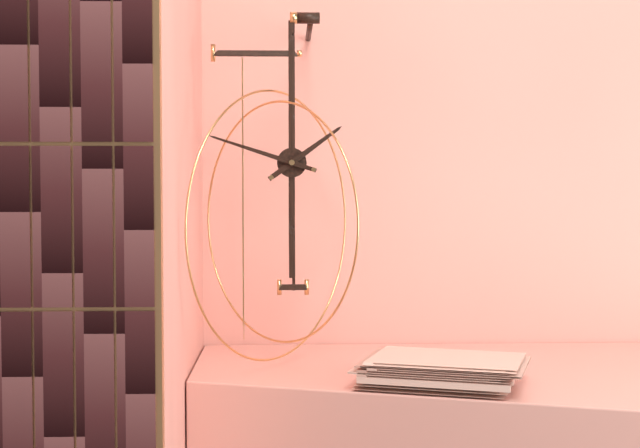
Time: 1h48
